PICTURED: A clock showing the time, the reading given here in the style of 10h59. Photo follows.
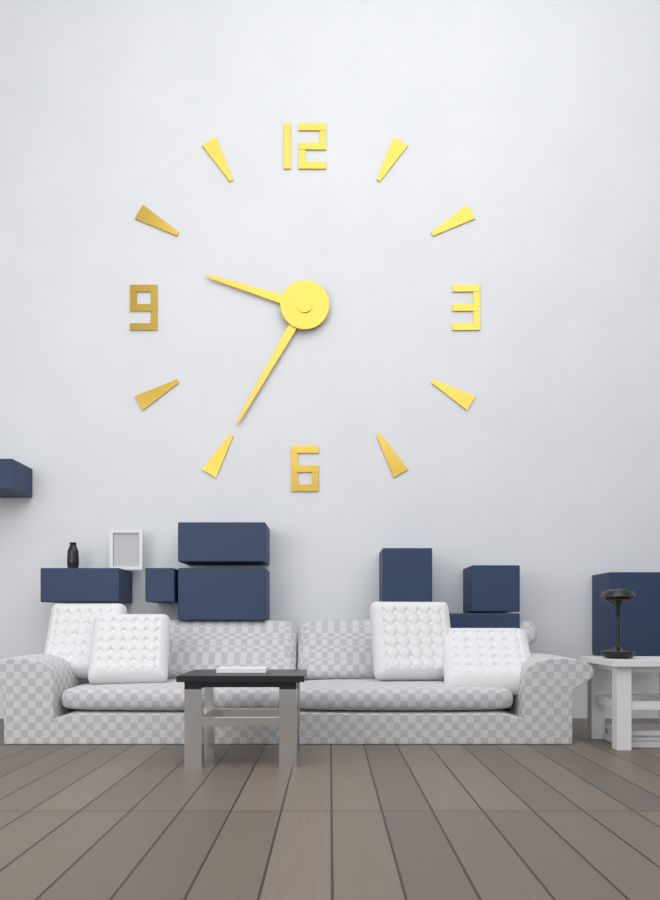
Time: 9h35
